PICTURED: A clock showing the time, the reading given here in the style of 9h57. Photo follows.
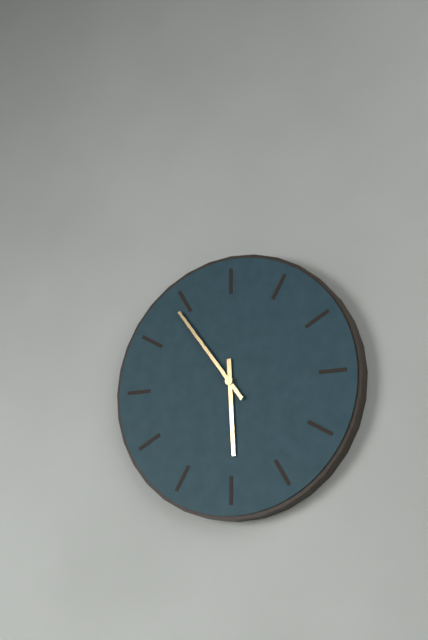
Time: 5h54
